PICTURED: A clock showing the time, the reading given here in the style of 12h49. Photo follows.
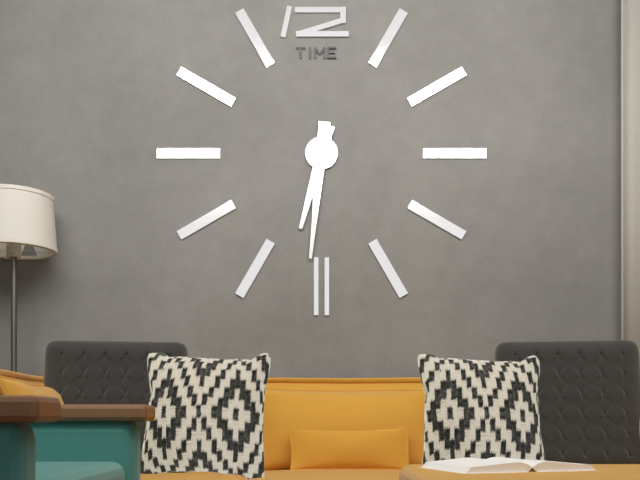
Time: 6h31
